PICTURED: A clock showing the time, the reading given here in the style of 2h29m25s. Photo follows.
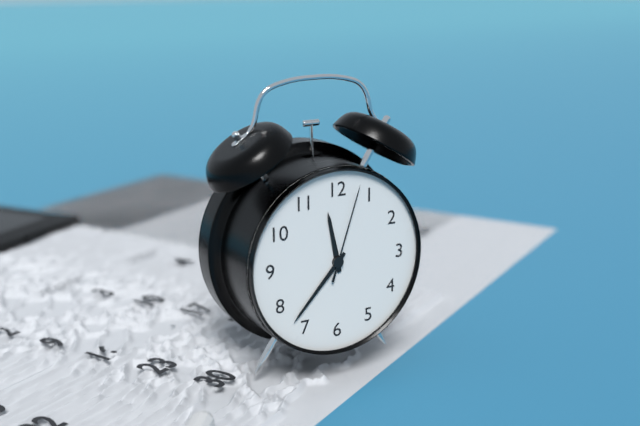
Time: 11h37m03s
